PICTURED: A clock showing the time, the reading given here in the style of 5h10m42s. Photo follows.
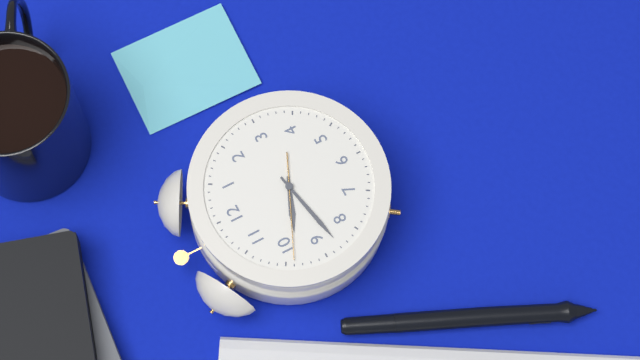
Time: 9h43m49s
